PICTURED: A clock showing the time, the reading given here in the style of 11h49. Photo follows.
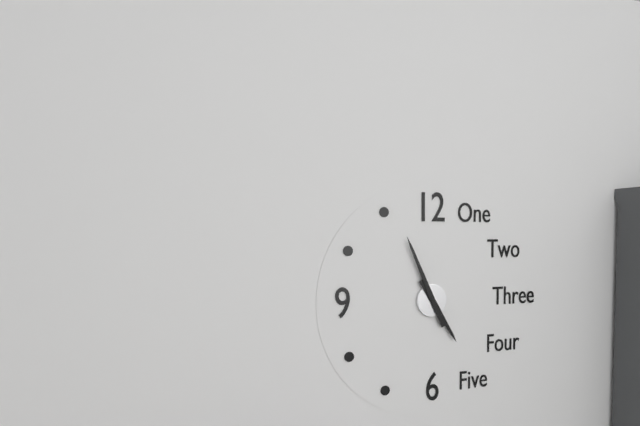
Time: 4h56
